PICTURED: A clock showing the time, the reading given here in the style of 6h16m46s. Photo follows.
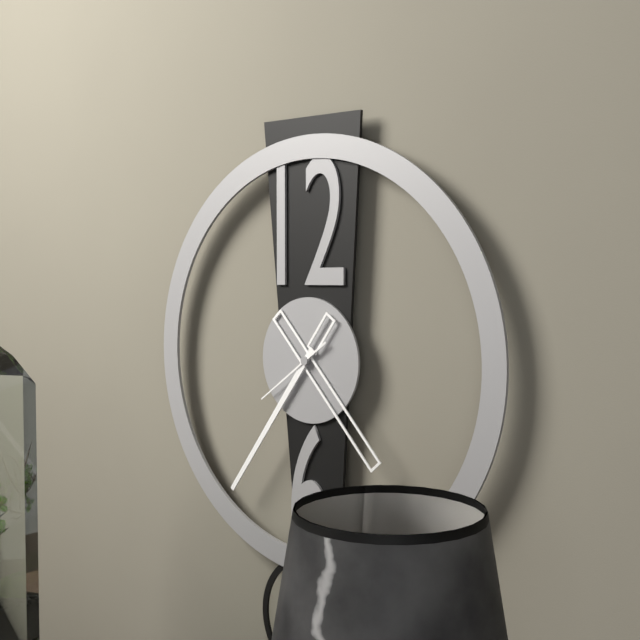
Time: 4h36m39s
